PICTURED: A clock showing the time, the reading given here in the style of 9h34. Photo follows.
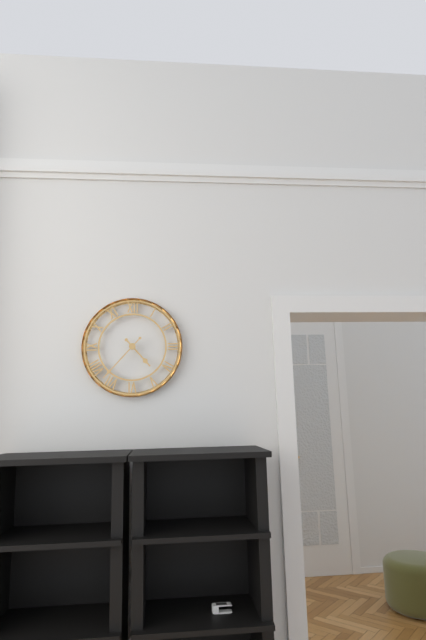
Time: 4h37
